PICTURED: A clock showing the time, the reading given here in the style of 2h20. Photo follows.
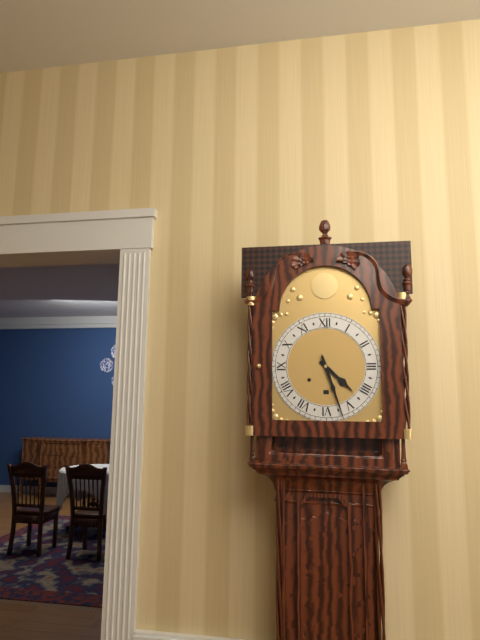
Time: 4h27
